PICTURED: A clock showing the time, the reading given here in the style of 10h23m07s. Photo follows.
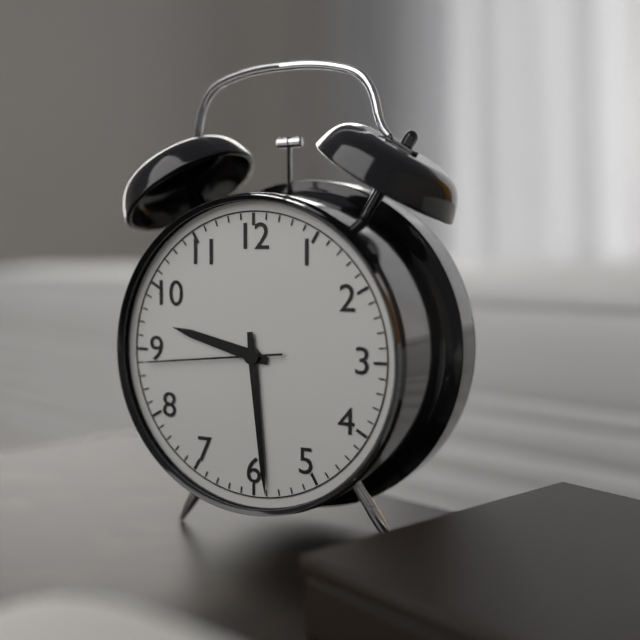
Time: 9h29m44s
